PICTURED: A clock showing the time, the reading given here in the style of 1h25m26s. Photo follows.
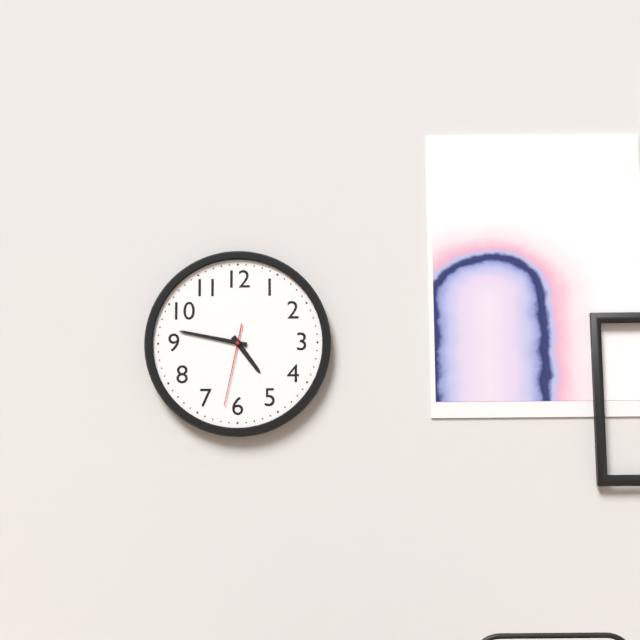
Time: 4h47m32s
